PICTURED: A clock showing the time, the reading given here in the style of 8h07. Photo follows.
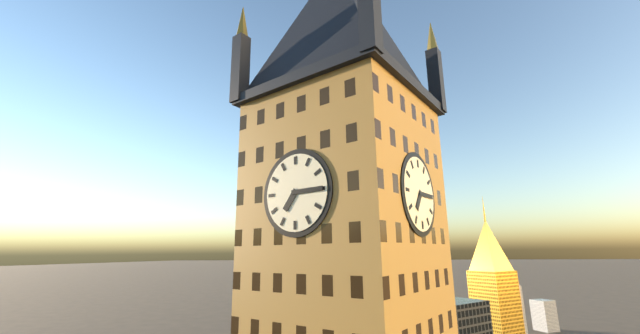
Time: 7h15
